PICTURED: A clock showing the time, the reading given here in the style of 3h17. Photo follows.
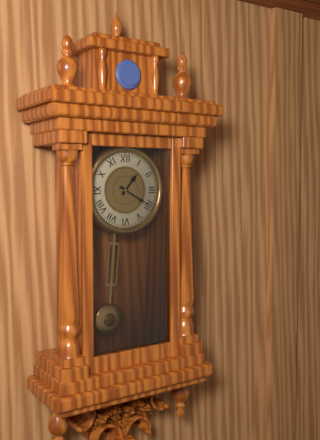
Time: 1h20
